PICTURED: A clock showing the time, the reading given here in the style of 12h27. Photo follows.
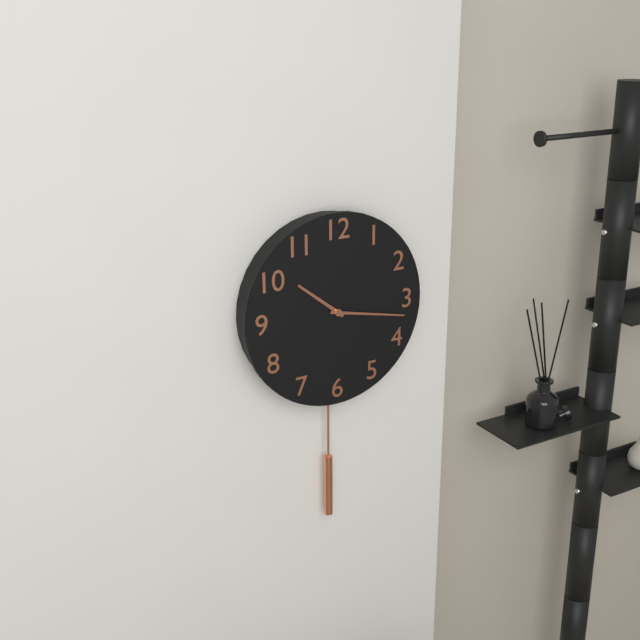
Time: 10h17
